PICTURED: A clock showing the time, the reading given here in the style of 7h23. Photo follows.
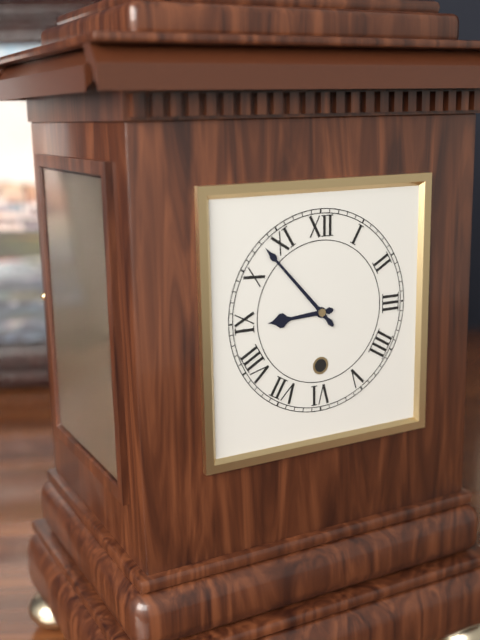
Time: 8h53
